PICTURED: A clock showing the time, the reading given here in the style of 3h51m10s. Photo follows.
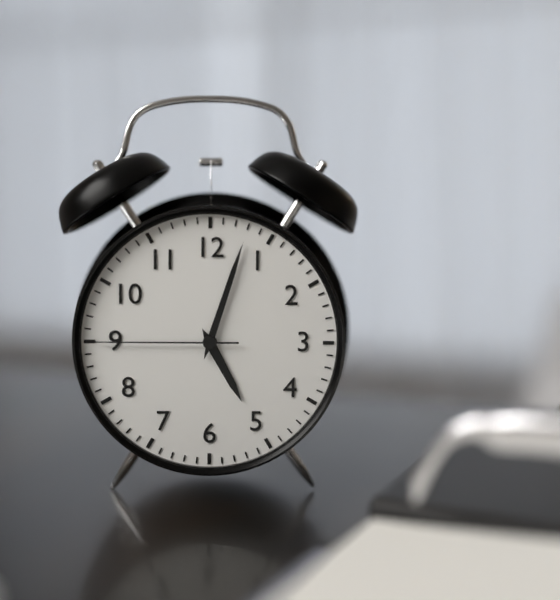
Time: 5h03m45s
